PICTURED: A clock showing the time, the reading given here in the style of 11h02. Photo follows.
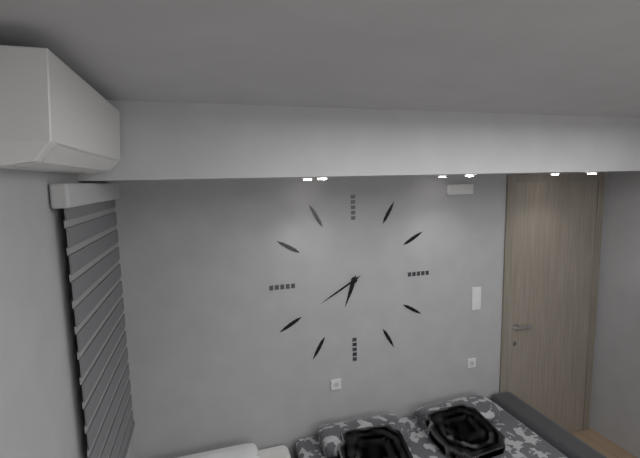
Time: 6h40
